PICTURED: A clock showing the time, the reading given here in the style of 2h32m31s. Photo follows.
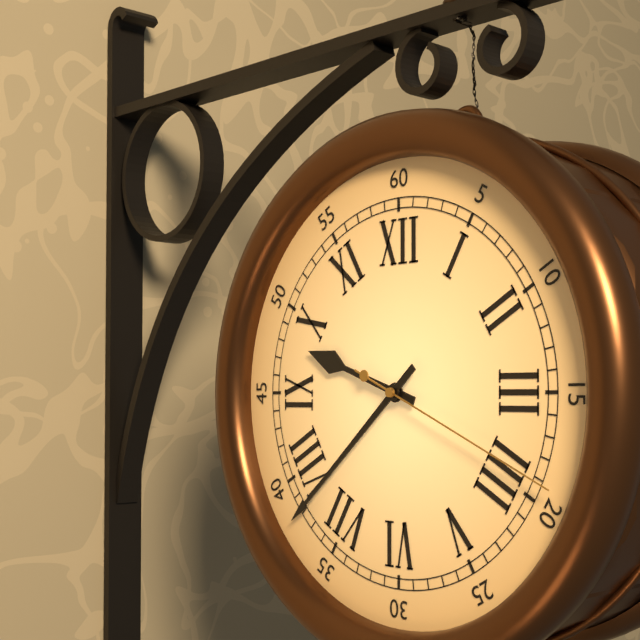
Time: 9h38m19s
